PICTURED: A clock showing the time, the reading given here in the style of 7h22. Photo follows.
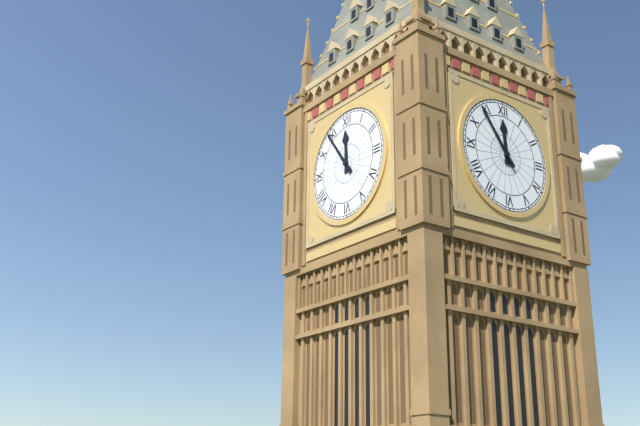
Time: 11h54
